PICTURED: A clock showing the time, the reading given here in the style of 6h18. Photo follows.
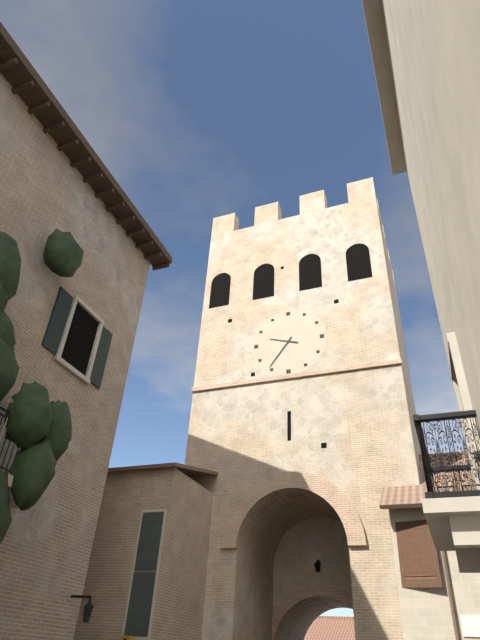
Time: 9h36
